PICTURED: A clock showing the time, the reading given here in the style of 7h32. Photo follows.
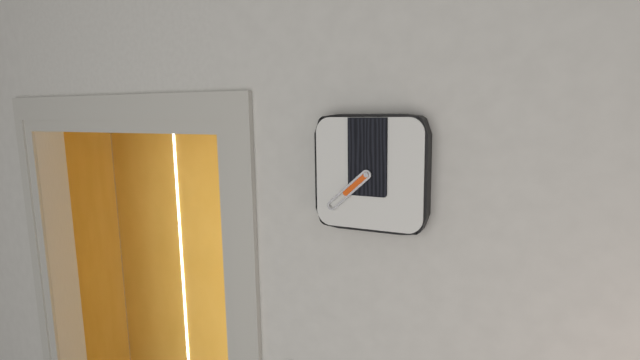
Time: 7h38
